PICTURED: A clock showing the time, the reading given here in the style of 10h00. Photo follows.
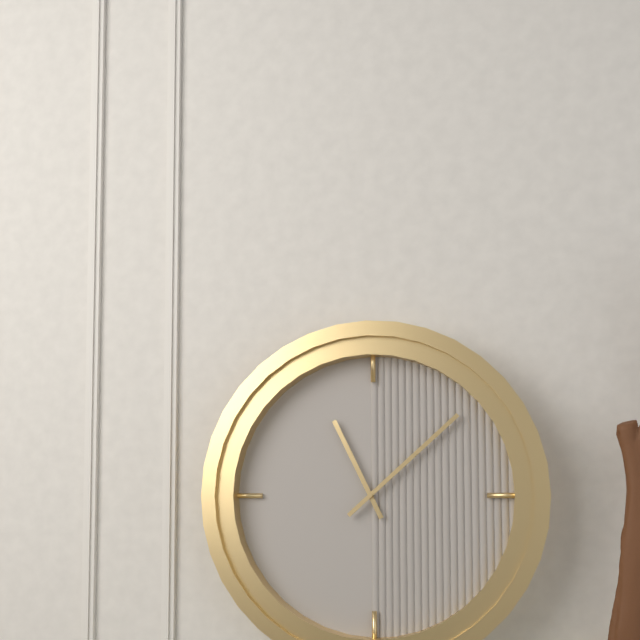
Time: 11h08
